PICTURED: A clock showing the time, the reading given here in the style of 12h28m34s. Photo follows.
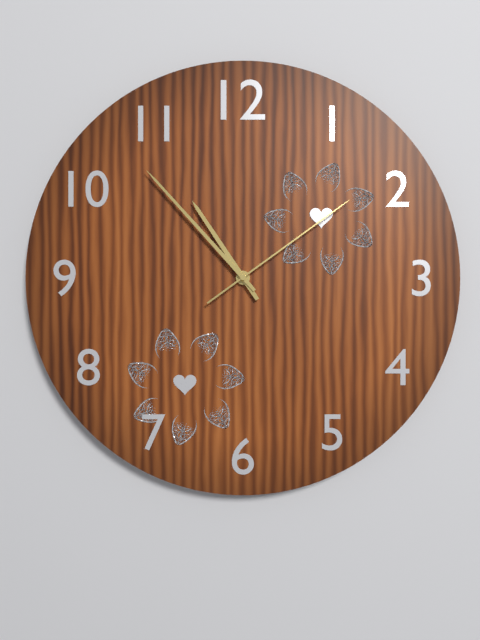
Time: 10h53m09s
